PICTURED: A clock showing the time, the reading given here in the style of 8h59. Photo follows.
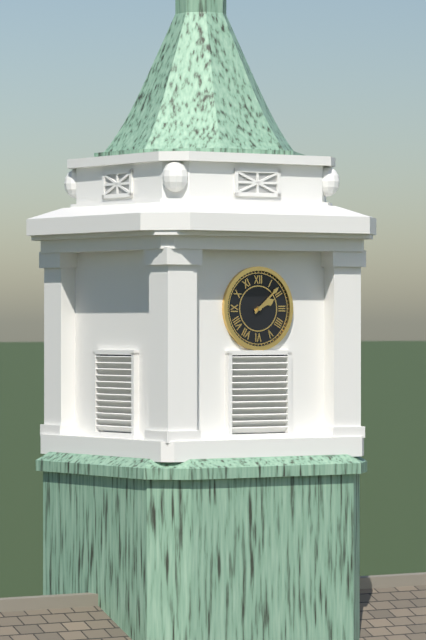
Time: 2h08
